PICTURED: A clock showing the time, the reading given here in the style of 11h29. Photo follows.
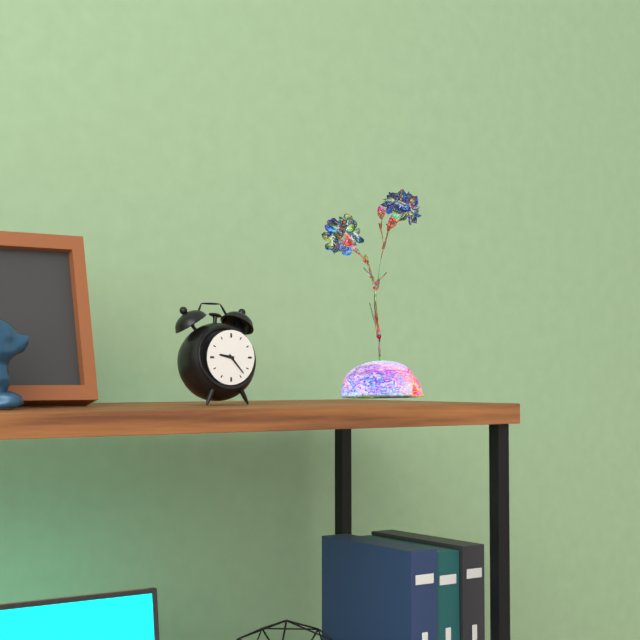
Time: 9h23
